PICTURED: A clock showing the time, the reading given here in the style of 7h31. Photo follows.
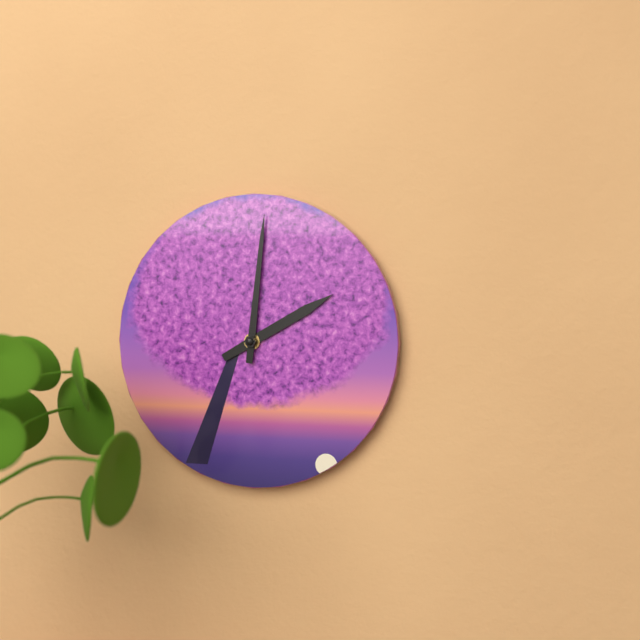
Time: 2h01
